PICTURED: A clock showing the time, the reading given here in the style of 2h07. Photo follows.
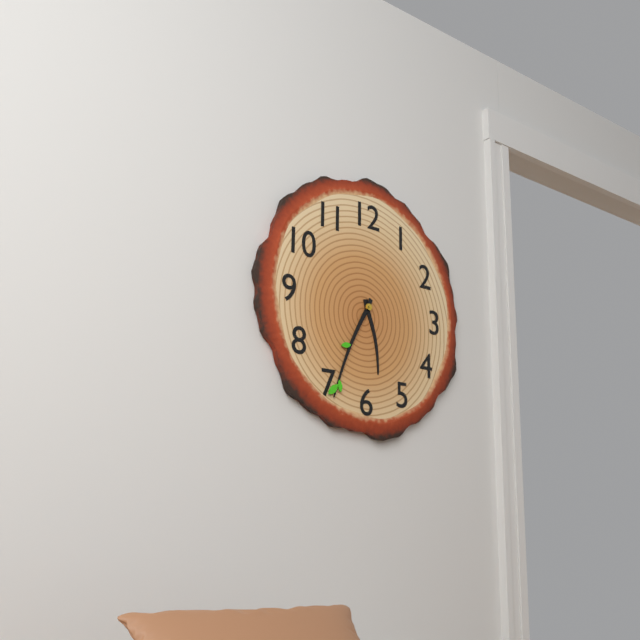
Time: 5h34
